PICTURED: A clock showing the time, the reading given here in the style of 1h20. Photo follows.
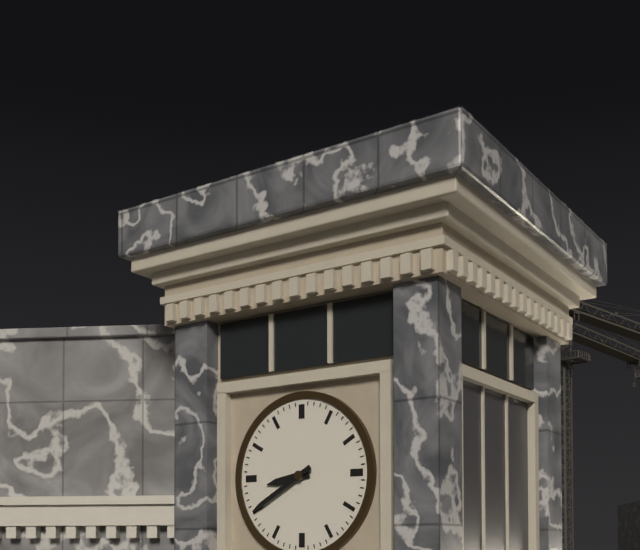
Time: 8h40
